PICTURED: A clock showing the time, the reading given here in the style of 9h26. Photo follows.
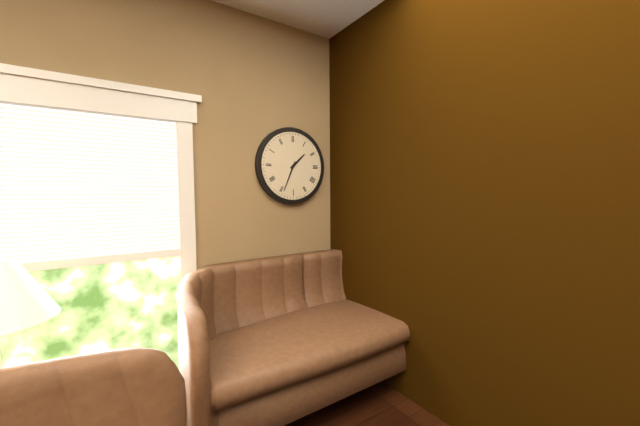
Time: 1h34
